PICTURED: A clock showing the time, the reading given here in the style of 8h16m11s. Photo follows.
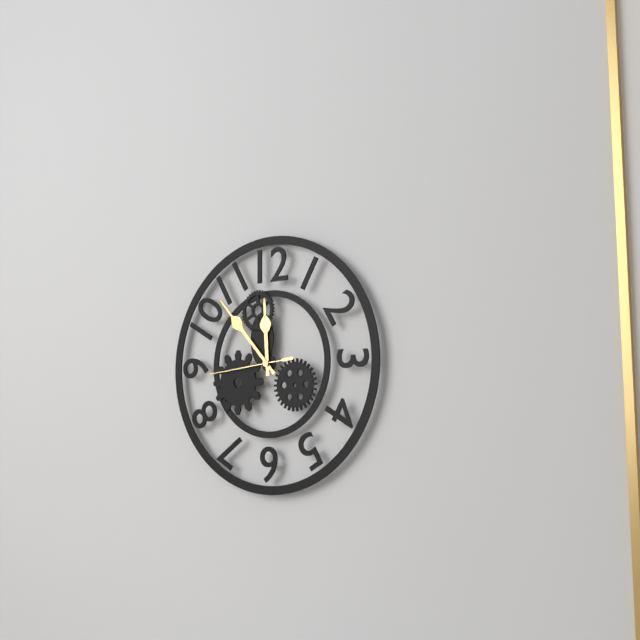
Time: 11h53m44s
